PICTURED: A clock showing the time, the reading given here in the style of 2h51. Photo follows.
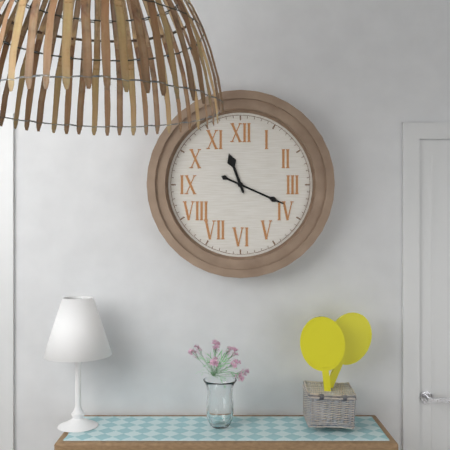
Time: 11h19
